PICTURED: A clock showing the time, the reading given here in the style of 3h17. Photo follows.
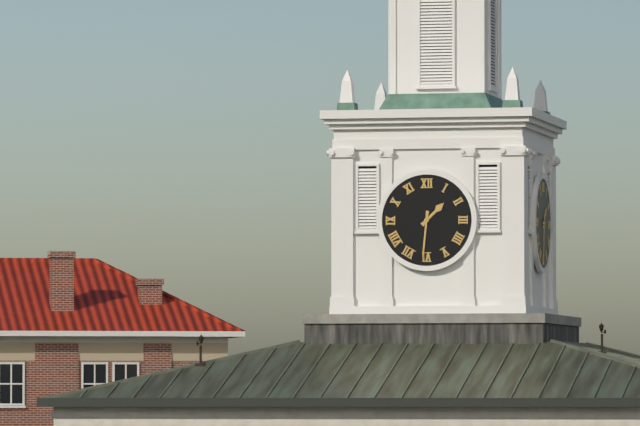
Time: 1h31
